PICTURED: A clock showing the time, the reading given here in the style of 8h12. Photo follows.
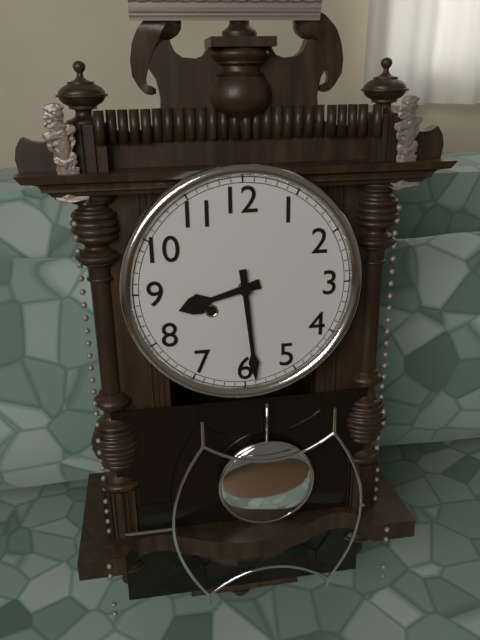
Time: 8h29
